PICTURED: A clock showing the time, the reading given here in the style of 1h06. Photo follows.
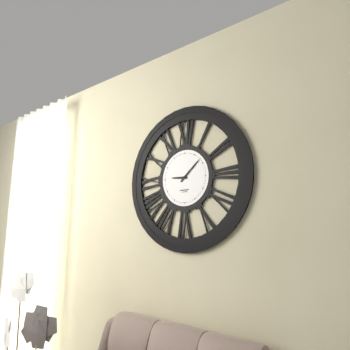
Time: 9h08
